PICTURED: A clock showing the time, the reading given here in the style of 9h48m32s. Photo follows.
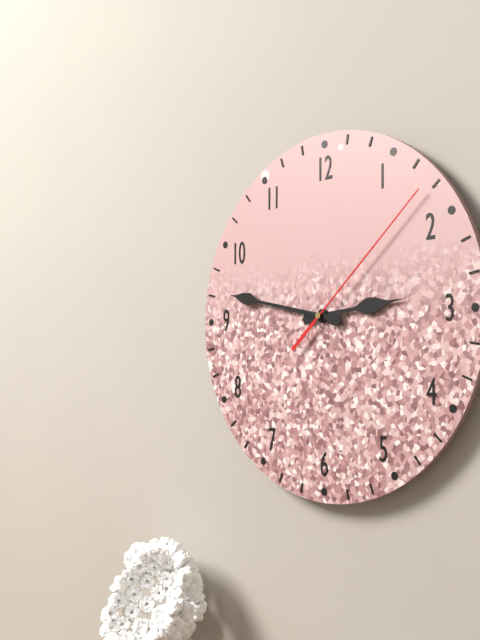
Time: 2h47m08s
